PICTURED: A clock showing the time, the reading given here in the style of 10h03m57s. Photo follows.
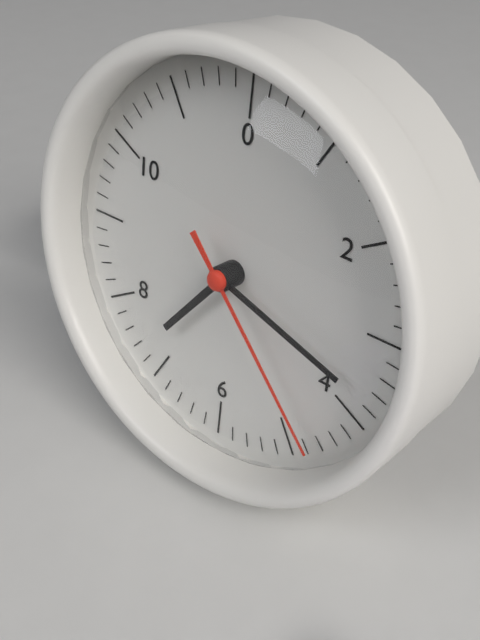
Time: 7h18m23s
